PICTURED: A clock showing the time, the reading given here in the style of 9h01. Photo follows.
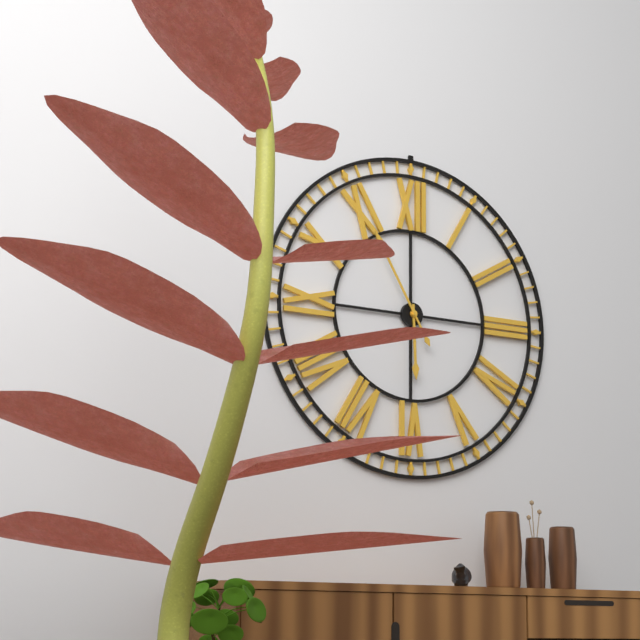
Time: 5h55
